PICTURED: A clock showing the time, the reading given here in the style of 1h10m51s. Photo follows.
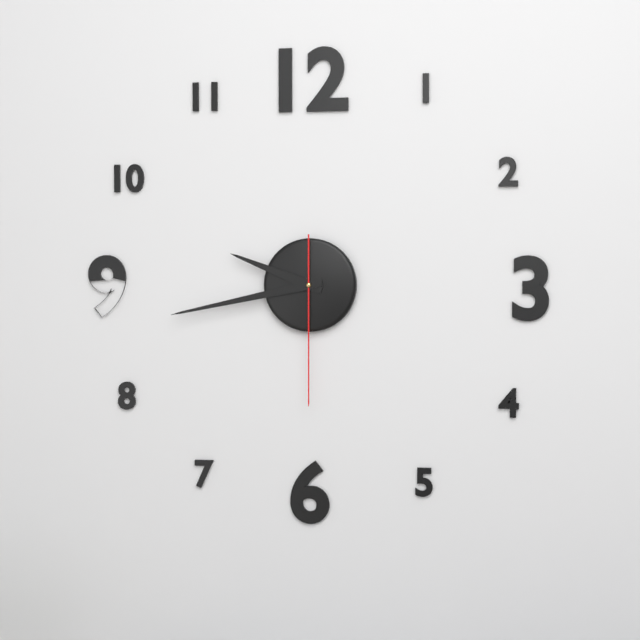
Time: 9h43m30s
